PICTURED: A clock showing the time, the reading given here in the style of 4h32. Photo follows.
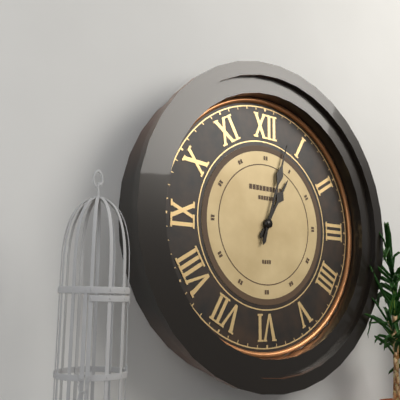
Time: 1h03
